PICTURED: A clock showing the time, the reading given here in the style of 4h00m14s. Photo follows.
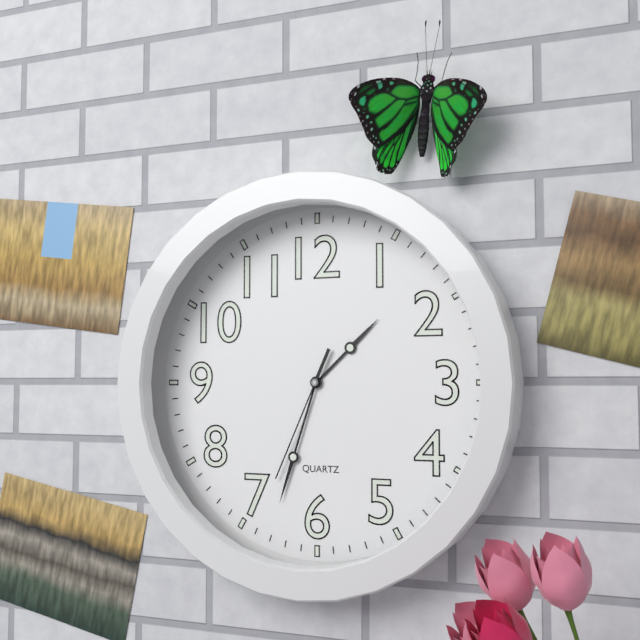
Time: 1h33m34s
